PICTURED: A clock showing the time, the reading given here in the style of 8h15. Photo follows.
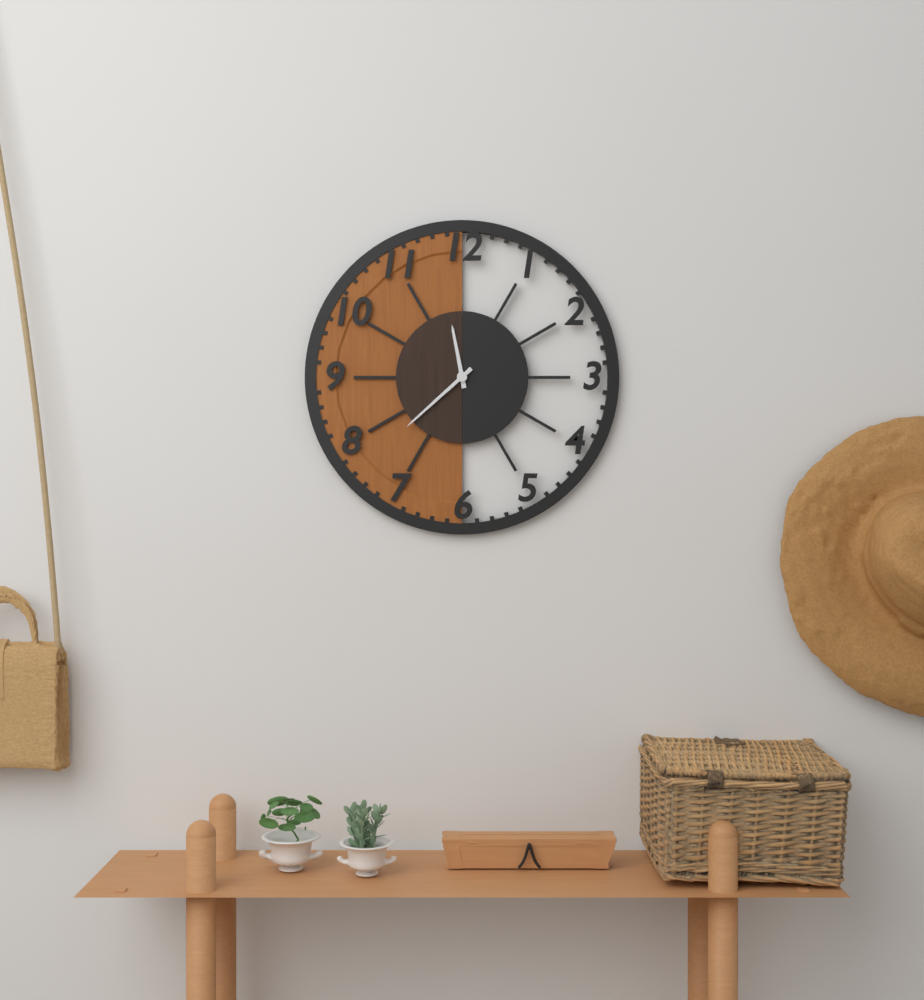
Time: 11h38
